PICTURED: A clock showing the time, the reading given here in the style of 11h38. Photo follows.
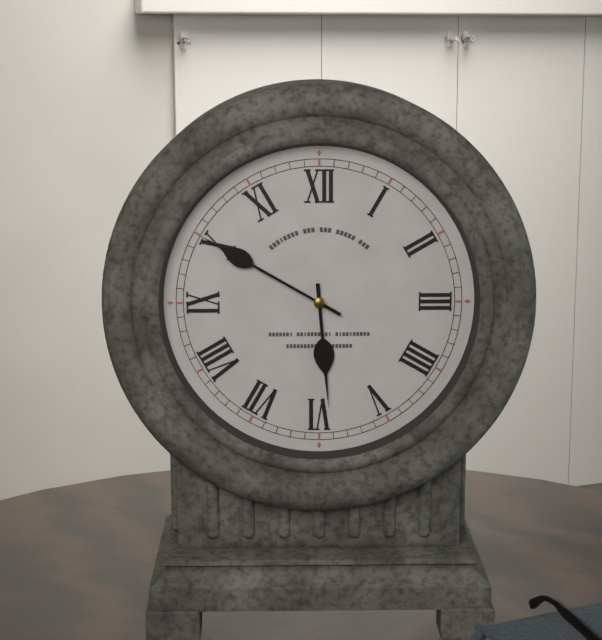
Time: 5h50
